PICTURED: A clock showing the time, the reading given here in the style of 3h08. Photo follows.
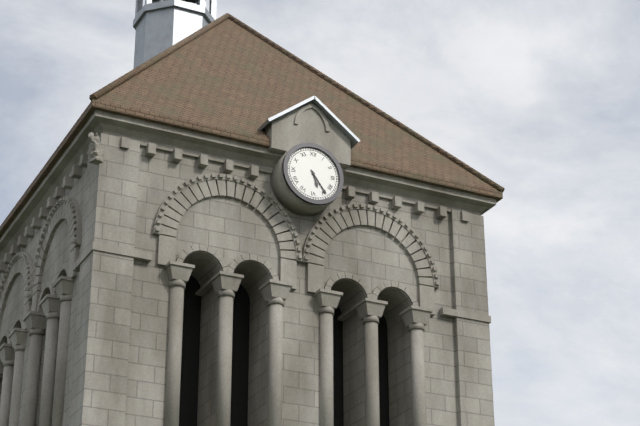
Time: 5h24
